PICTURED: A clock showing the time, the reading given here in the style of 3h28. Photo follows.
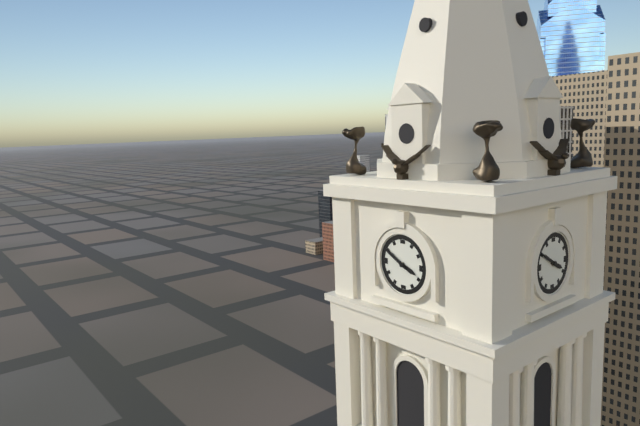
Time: 3h50
